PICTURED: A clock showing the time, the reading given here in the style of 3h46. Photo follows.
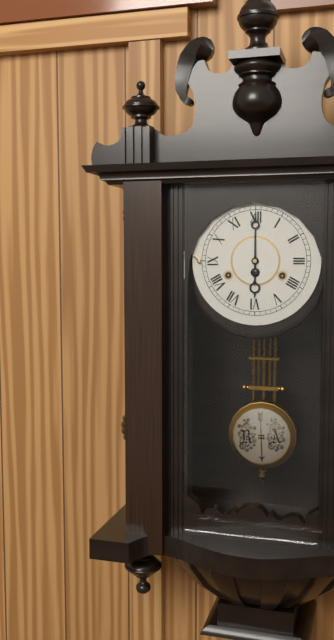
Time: 6h00
